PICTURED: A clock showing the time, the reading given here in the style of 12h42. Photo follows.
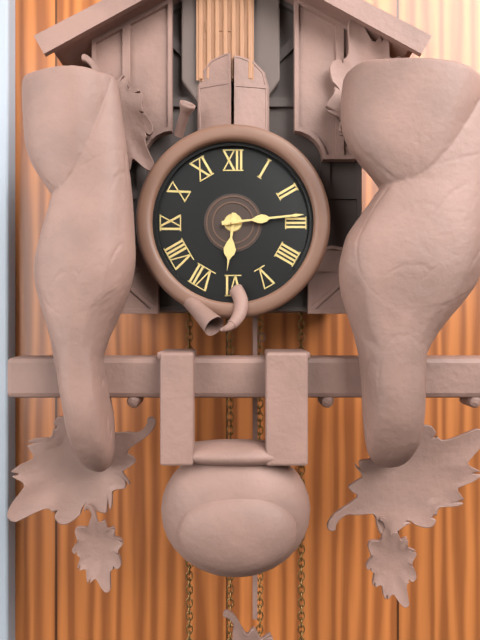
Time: 6h14
